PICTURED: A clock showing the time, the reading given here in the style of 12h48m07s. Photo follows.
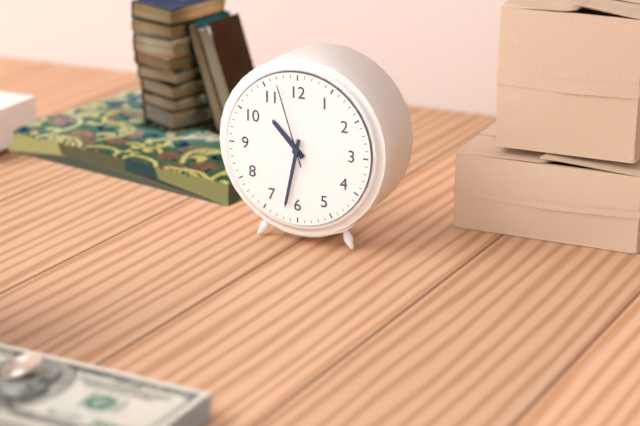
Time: 10h32m57s
